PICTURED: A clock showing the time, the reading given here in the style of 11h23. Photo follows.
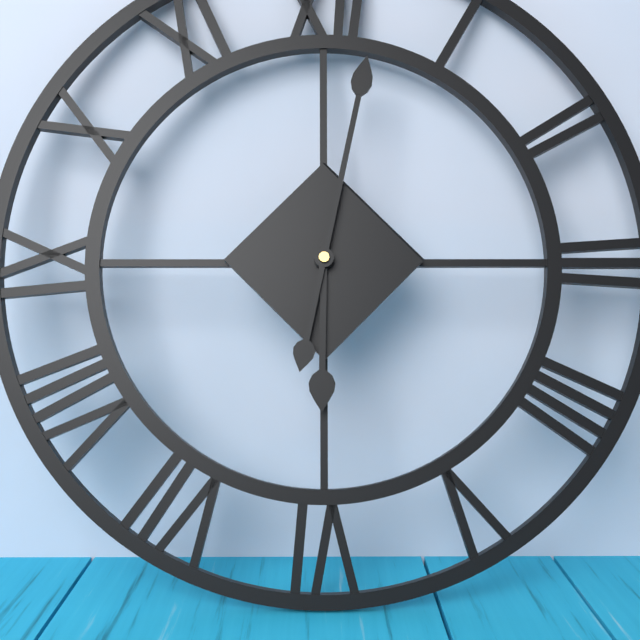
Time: 6h02
